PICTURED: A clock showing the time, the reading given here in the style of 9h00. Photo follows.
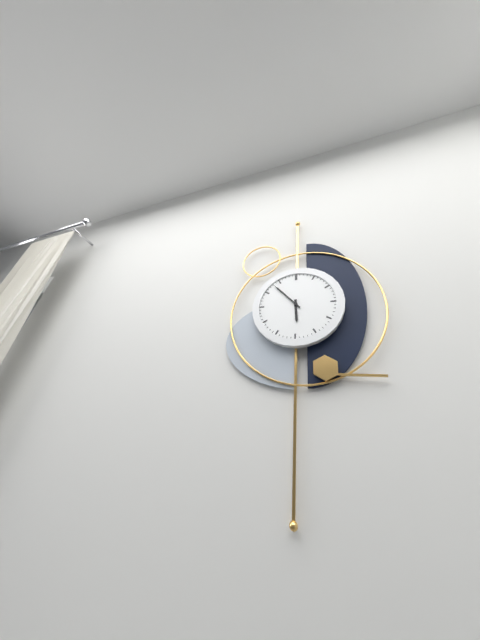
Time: 5h53
